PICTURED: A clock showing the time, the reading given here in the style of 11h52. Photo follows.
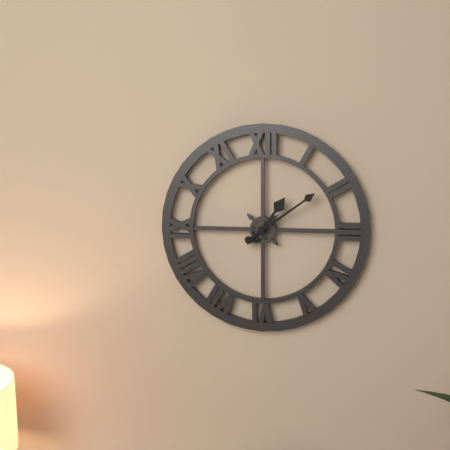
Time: 1h09
